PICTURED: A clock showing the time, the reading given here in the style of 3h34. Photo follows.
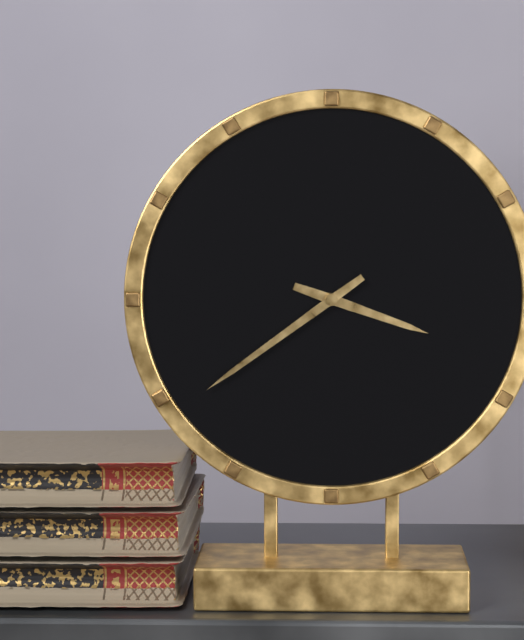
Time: 3h39
